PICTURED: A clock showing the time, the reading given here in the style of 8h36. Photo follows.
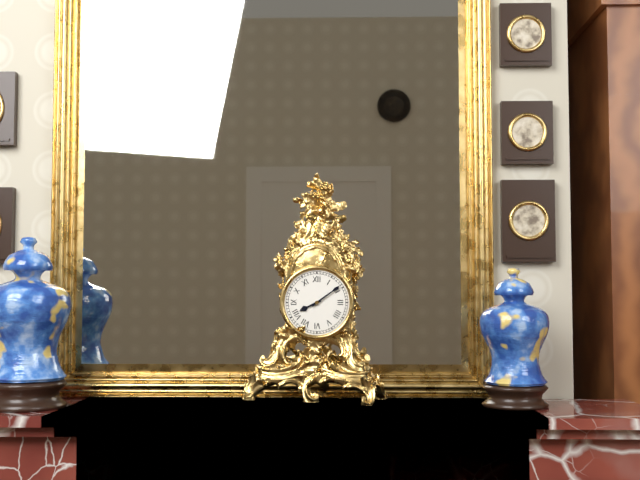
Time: 8h09
